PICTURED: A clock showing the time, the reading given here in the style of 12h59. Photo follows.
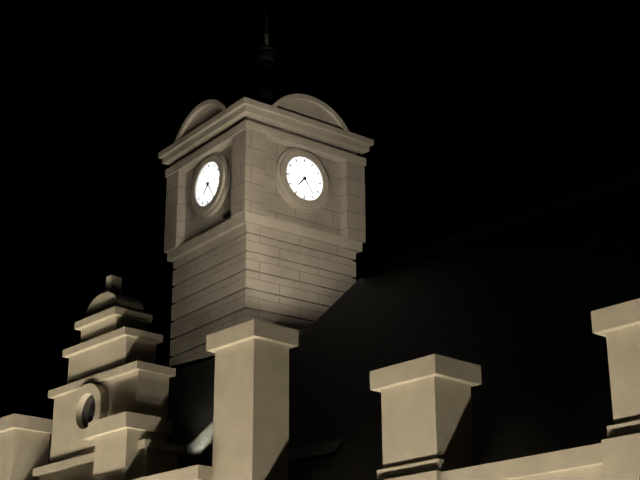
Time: 7h24
